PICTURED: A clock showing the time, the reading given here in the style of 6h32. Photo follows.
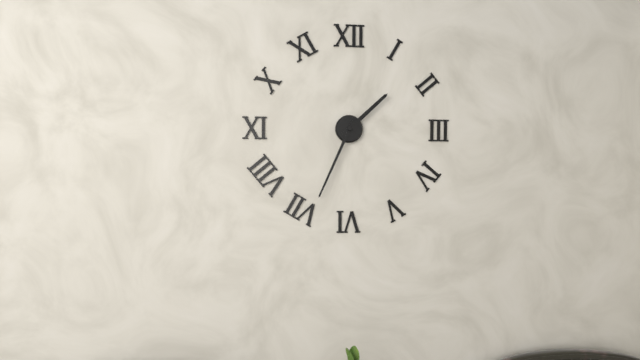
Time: 1h34
